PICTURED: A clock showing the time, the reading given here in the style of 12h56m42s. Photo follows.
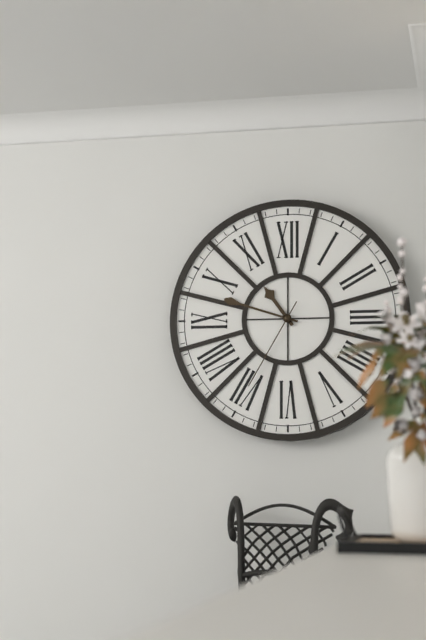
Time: 10h48m35s
